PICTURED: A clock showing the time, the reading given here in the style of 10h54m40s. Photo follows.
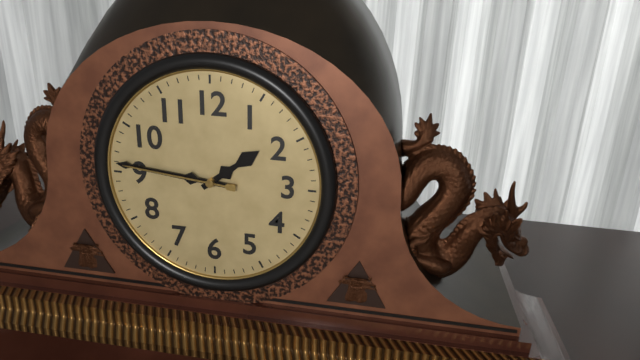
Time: 1h46m46s
